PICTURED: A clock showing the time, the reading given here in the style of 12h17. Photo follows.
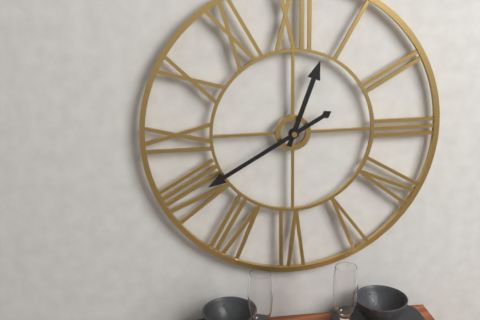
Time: 12h40
